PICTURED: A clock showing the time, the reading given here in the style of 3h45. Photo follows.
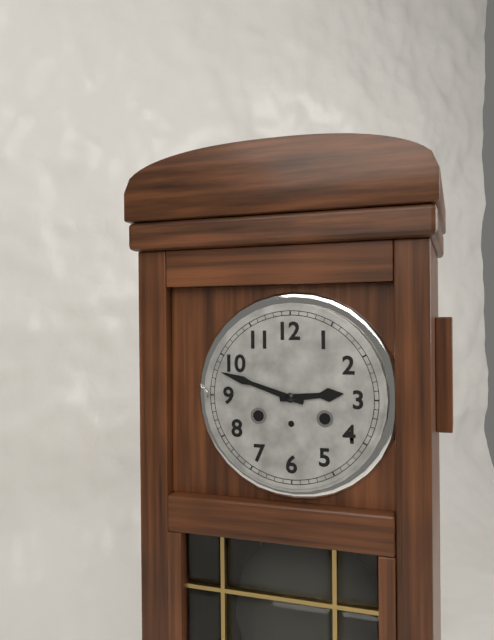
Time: 2h48
